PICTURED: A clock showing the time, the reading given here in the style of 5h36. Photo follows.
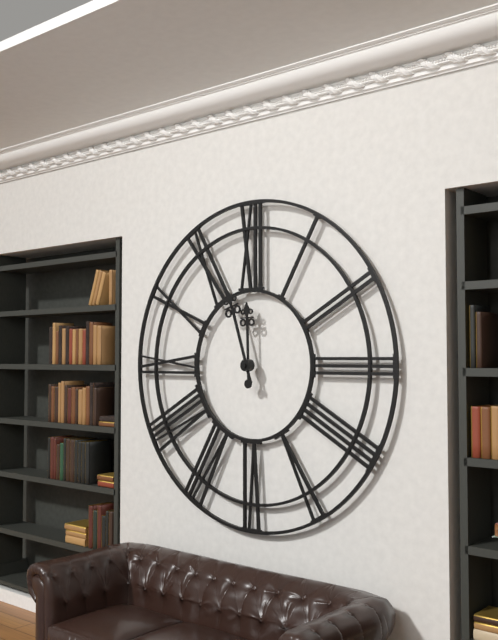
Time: 11h57
